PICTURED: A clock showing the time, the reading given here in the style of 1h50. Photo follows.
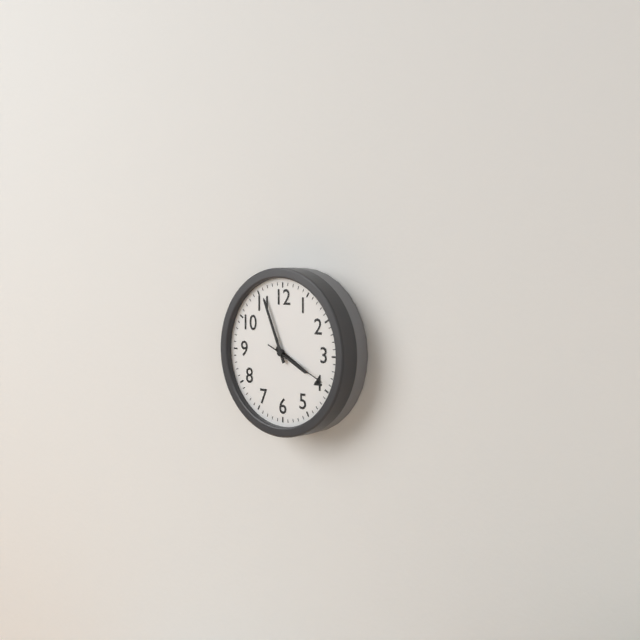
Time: 3h56
